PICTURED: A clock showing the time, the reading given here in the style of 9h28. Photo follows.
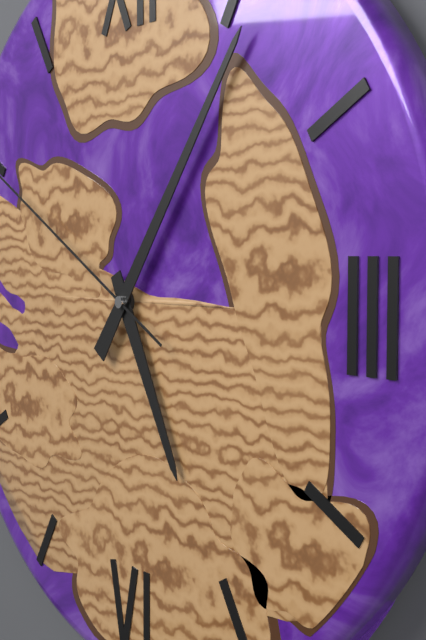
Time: 5h06
